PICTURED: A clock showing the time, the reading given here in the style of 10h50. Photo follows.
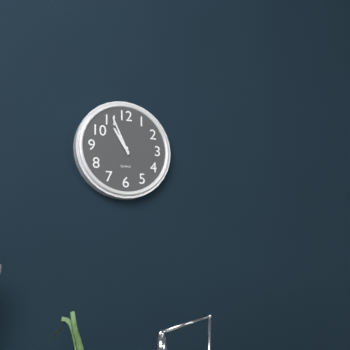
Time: 10h56
